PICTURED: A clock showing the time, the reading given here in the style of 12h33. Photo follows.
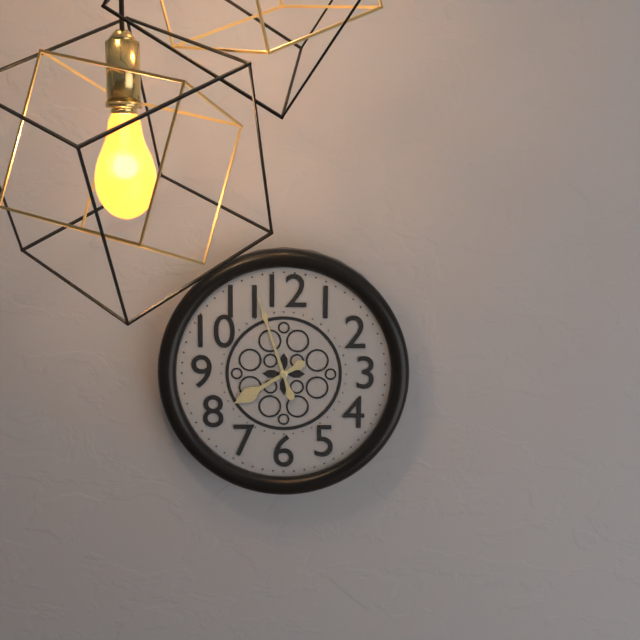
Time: 7h57
